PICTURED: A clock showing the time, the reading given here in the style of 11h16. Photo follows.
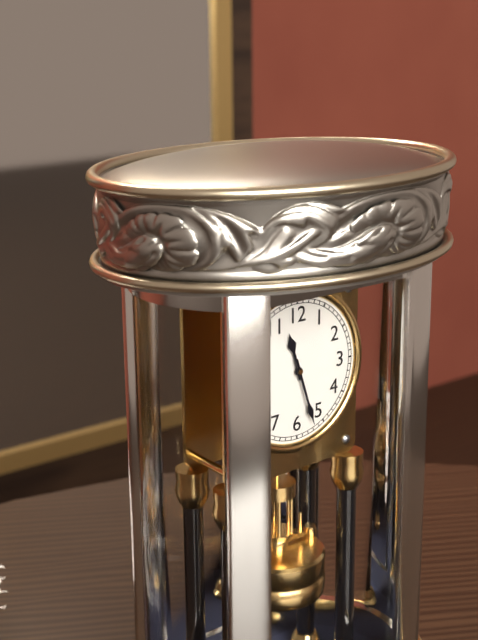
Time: 11h27
